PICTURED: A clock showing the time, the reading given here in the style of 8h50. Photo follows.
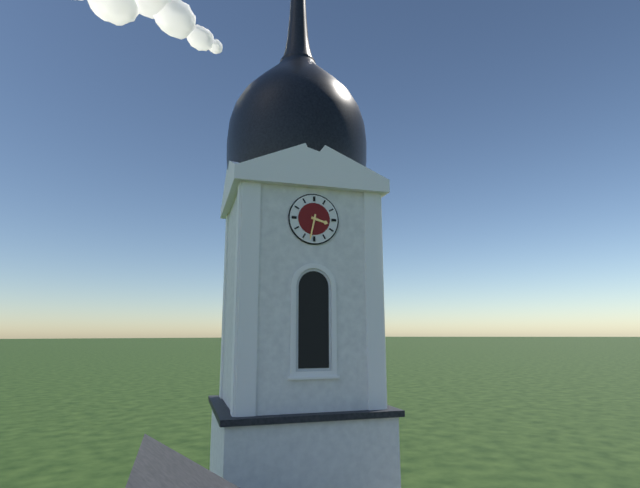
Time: 3h32
